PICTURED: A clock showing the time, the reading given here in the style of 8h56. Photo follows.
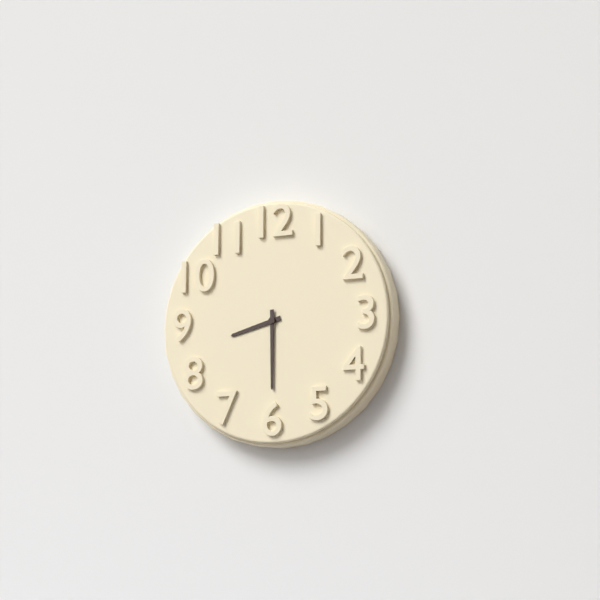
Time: 8h30
